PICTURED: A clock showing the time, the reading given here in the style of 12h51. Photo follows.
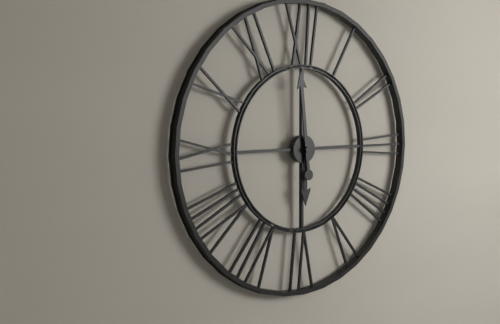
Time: 5h59
